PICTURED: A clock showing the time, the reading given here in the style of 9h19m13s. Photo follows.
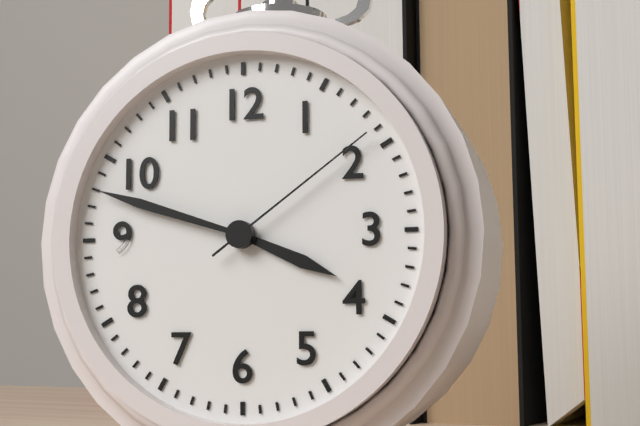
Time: 3h48m09s
